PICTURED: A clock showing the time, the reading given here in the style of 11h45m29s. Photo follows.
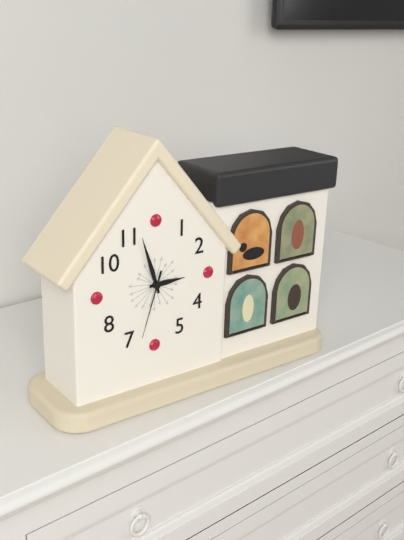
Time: 2h57m33s
